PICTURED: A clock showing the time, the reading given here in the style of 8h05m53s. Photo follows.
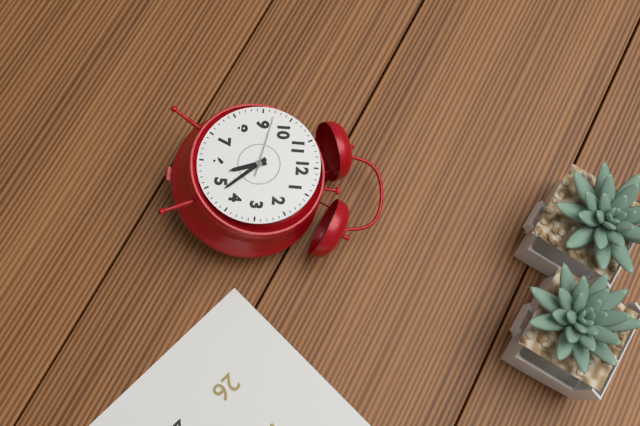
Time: 5h23m47s
